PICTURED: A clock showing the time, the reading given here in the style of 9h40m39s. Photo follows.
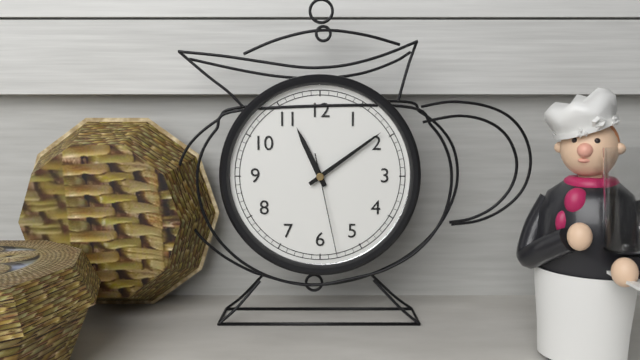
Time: 11h09m28s
